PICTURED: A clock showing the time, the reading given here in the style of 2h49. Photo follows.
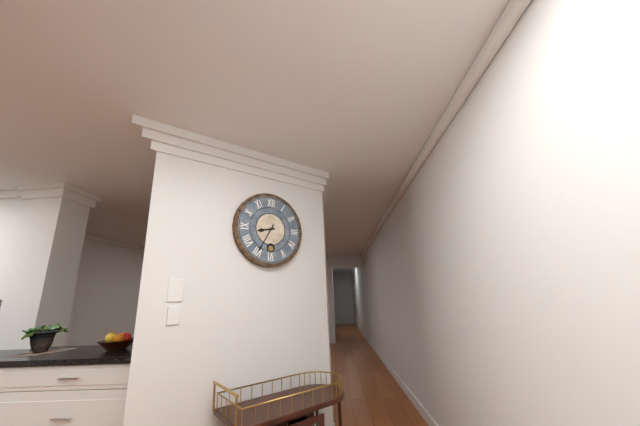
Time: 8h35
